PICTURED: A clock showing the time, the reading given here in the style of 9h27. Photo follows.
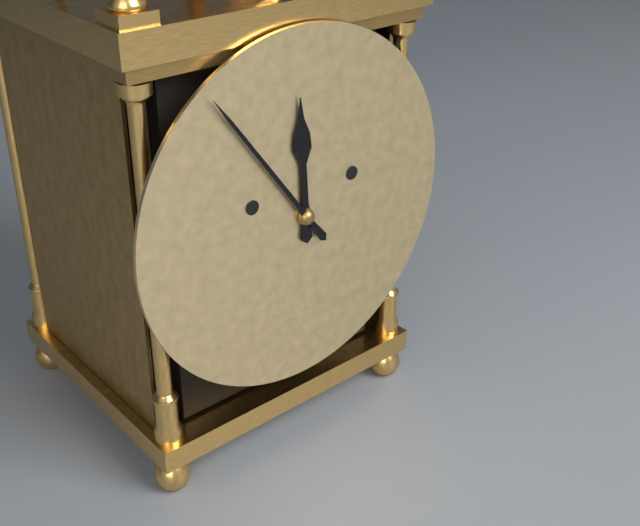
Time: 11h54
